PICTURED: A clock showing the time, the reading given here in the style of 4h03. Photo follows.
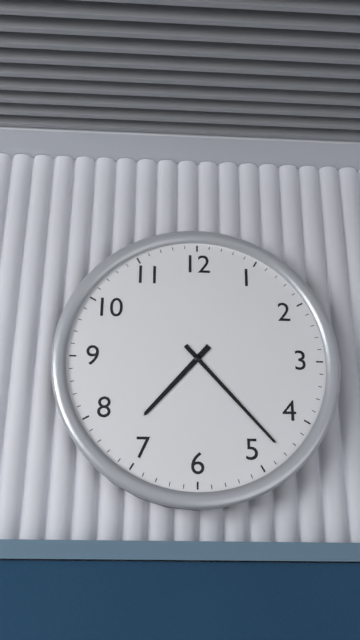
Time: 7h23
